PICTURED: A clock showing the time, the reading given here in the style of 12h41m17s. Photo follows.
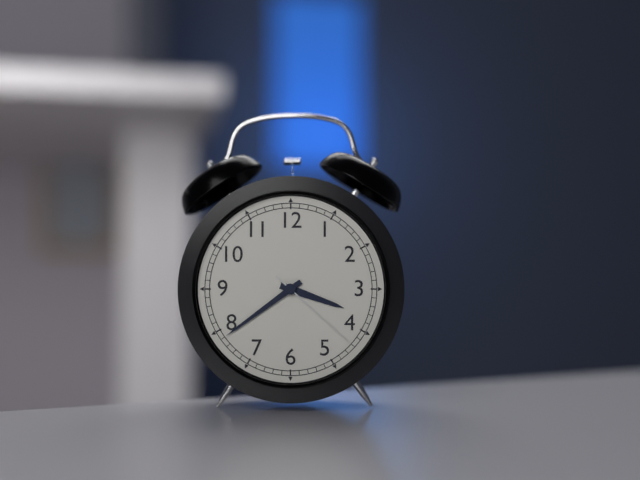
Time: 3h39m22s
